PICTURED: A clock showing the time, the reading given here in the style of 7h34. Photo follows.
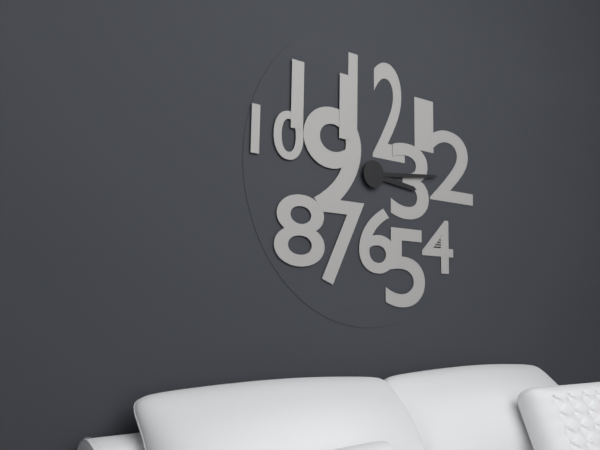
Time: 3h14
